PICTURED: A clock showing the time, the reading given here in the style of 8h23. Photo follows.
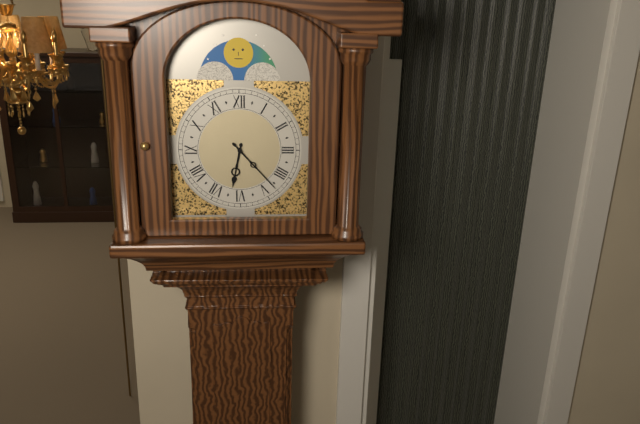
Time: 6h23
